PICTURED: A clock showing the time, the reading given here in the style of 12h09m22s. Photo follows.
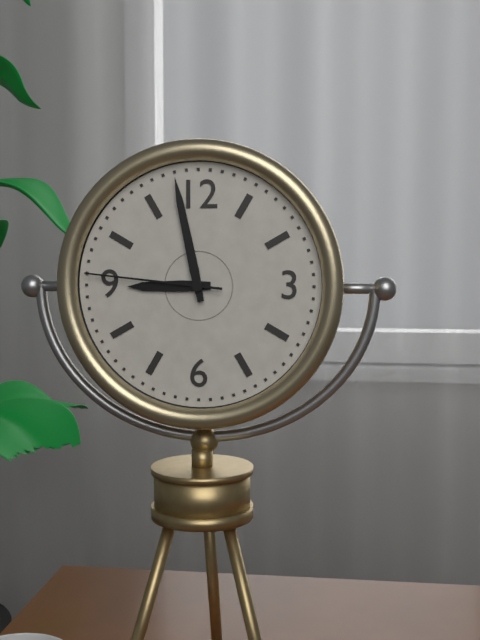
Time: 8h58m46s
